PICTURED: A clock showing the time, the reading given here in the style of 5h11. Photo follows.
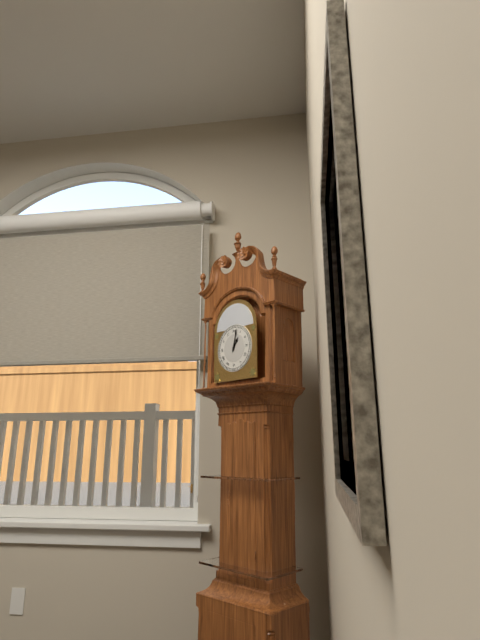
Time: 1h02
